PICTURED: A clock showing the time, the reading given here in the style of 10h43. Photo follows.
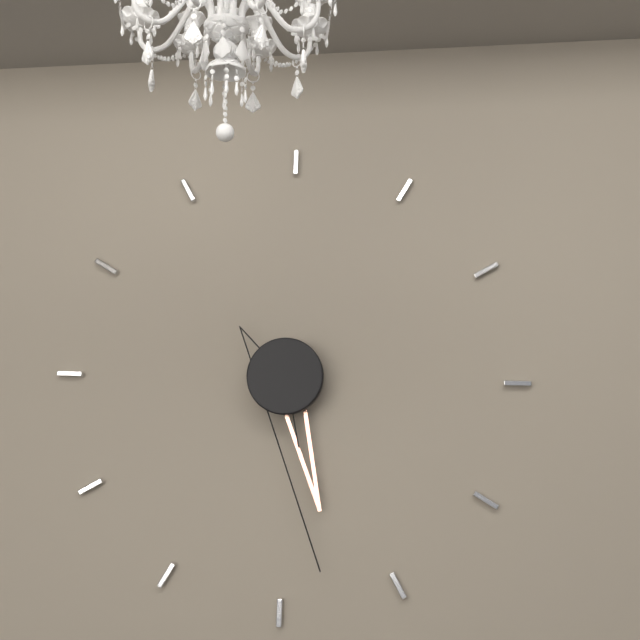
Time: 5h28
